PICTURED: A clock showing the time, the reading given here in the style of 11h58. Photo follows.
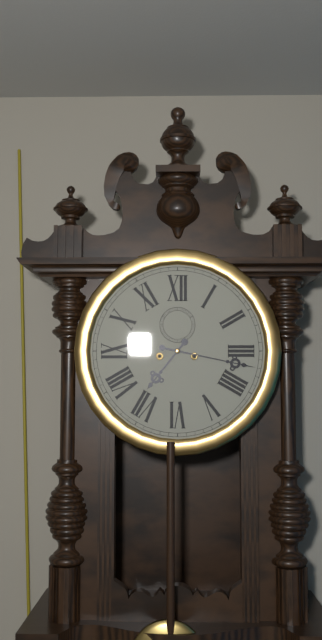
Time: 7h17
